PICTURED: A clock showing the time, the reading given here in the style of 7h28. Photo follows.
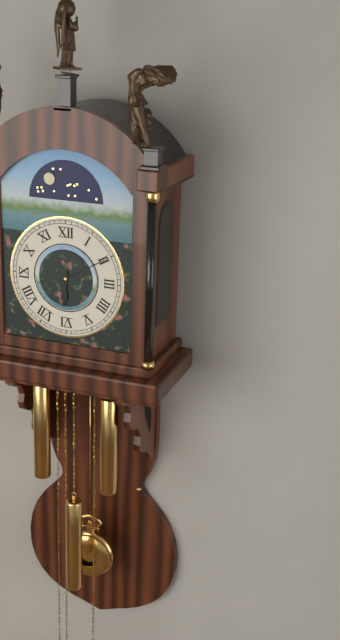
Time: 6h10
